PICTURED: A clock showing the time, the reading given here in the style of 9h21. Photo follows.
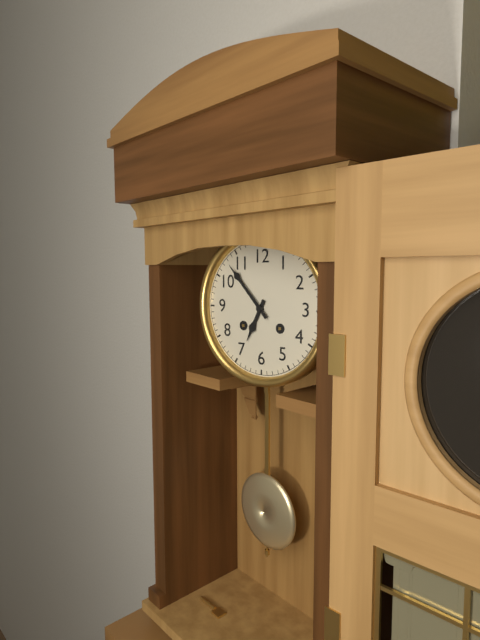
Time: 6h53
